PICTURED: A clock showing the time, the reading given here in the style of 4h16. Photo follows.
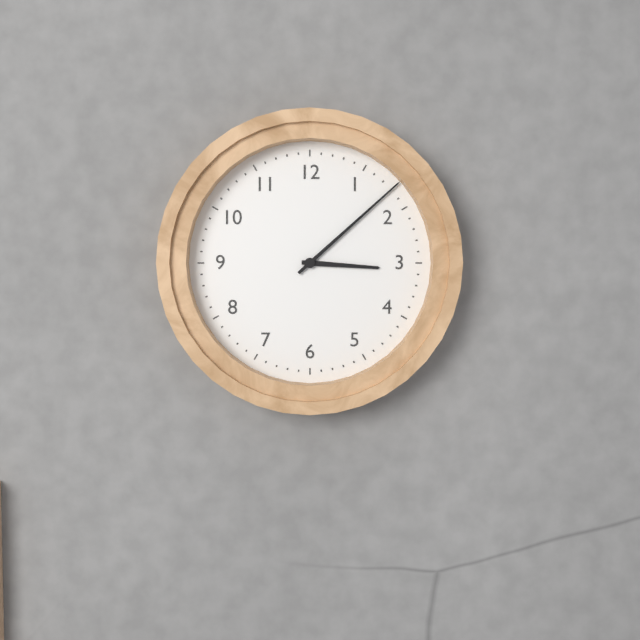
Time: 3h08
